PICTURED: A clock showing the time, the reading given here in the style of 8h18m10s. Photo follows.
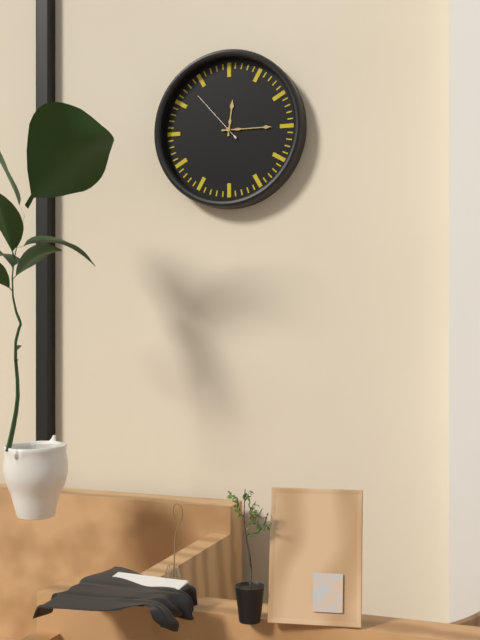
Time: 12h15m53s
